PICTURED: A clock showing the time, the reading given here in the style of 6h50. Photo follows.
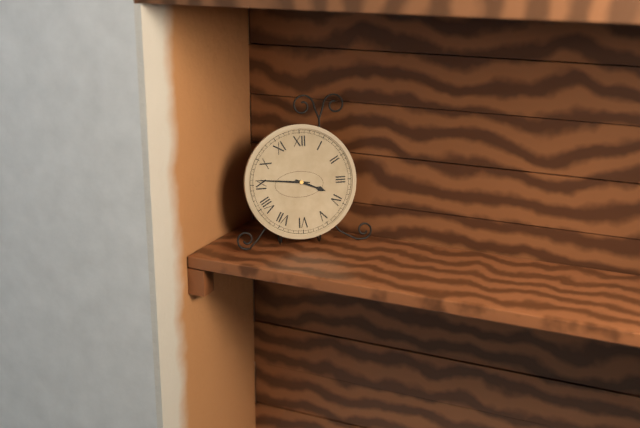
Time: 3h46
